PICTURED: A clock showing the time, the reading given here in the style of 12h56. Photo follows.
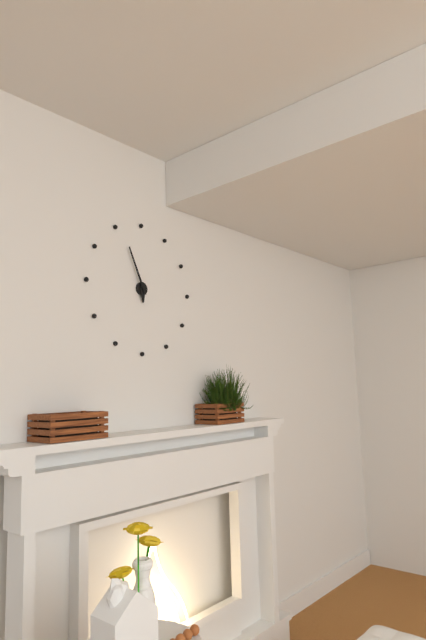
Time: 5h56
